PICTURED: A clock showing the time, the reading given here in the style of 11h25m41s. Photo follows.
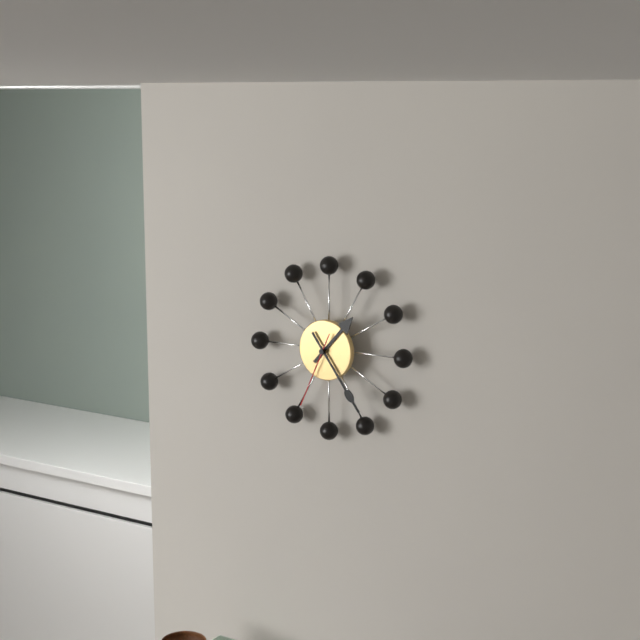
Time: 1h24m34s
